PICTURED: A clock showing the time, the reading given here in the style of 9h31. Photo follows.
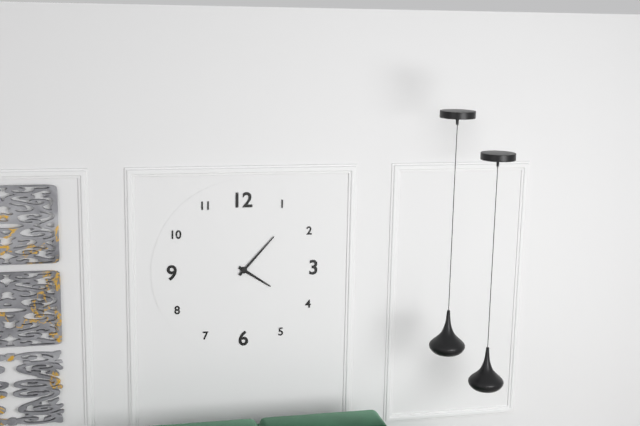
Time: 4h07
